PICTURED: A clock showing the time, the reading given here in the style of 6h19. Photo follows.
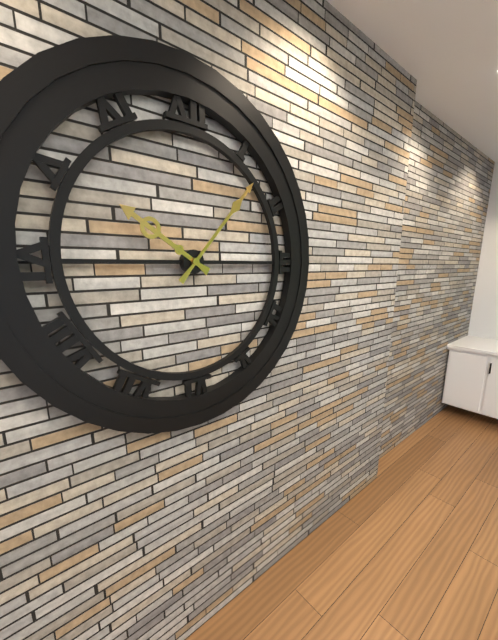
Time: 10h07
